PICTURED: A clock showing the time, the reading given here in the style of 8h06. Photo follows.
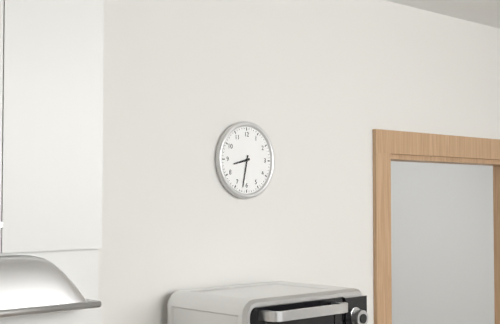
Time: 8h32
